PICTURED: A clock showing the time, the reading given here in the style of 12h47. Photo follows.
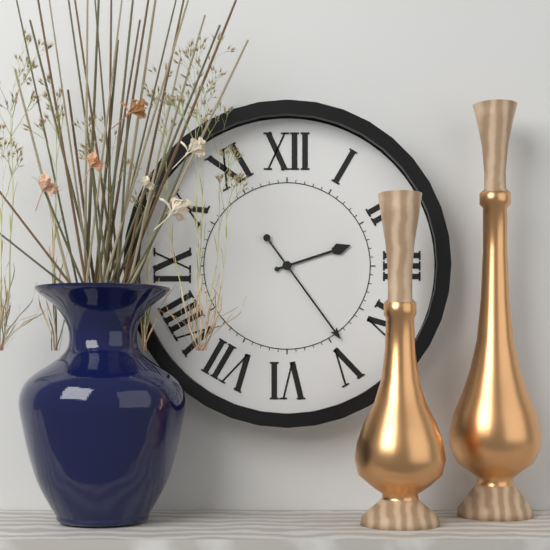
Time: 2h24
